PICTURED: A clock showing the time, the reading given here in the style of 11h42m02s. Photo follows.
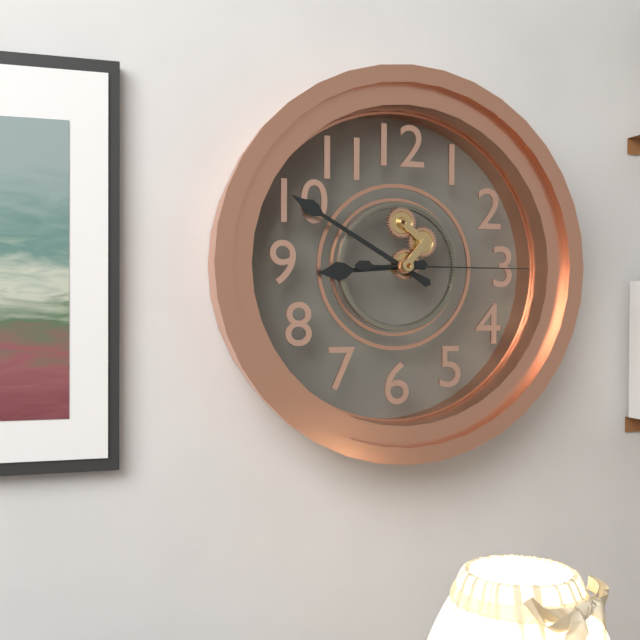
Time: 8h50m15s
